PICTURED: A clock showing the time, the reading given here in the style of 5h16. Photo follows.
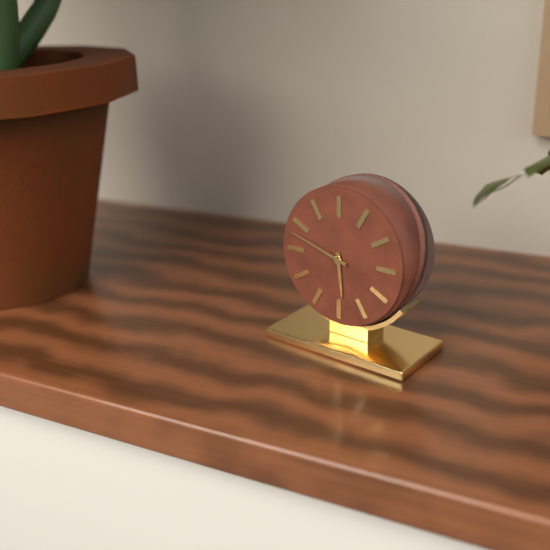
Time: 5h48
